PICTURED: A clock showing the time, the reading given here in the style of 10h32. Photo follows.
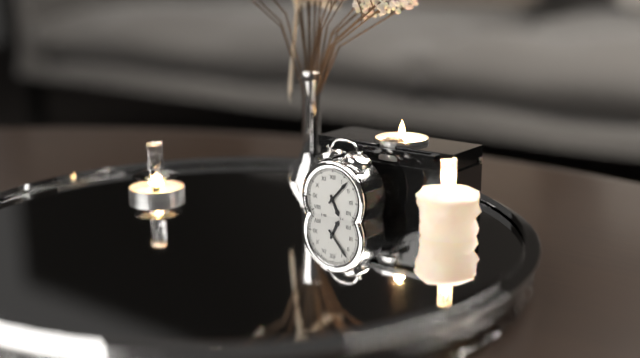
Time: 5h07
